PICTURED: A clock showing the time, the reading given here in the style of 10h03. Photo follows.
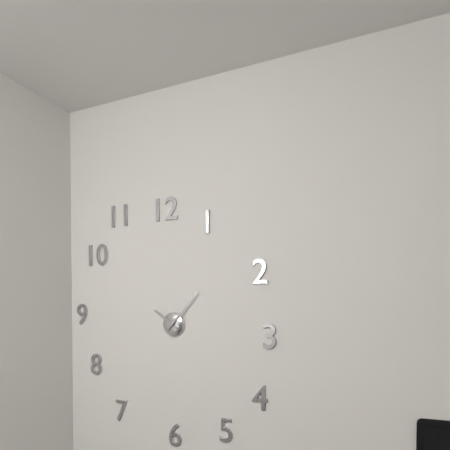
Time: 10h07
